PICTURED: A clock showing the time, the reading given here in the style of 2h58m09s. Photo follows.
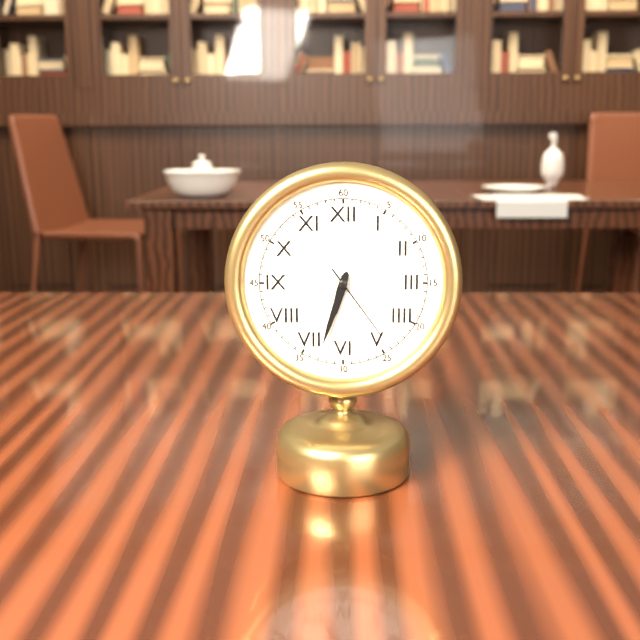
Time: 6h33m24s
